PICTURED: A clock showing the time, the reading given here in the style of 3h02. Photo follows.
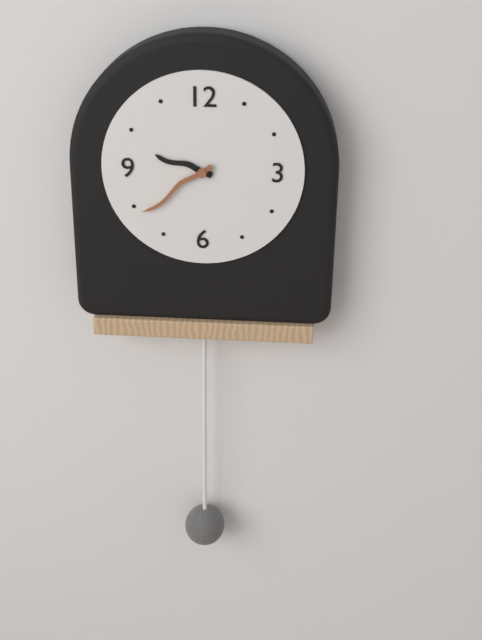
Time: 9h39
